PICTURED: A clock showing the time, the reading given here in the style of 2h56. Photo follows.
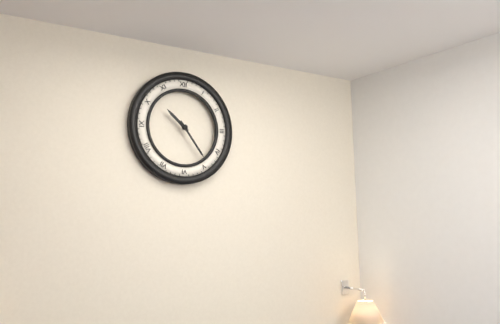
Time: 10h24
